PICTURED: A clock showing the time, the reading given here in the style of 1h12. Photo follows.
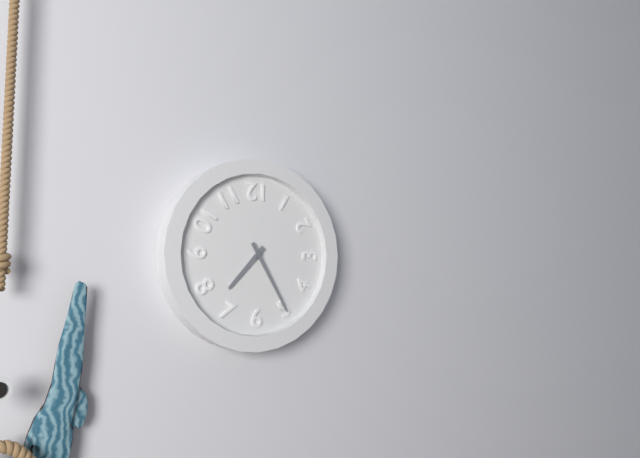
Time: 7h25
